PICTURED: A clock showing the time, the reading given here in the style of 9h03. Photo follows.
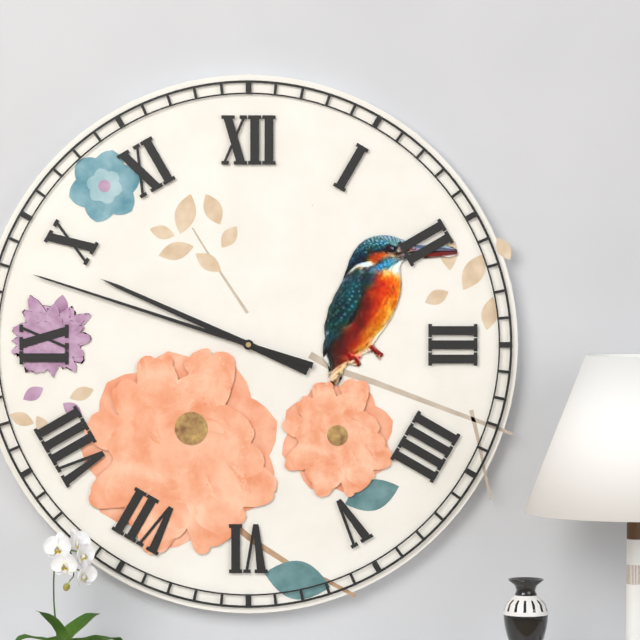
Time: 9h48
